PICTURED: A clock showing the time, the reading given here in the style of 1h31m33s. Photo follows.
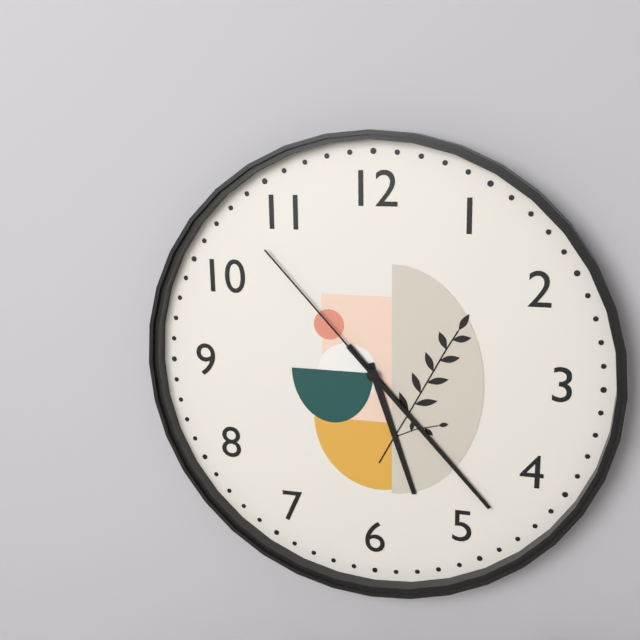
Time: 5h23m53s
